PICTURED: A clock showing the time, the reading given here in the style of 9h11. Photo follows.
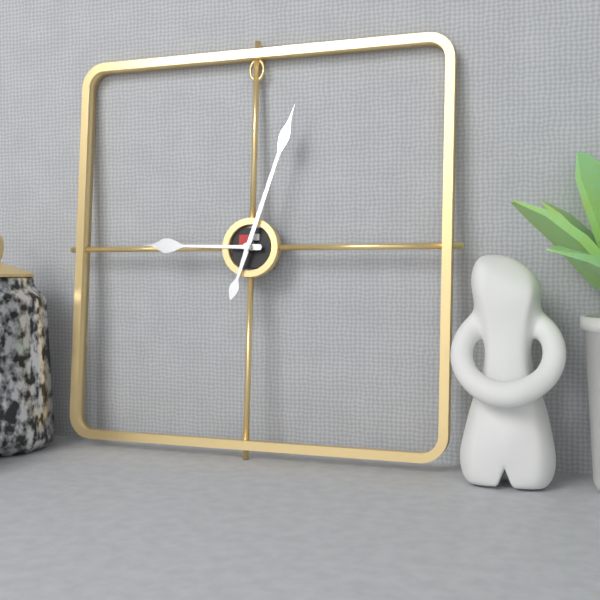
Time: 9h03
